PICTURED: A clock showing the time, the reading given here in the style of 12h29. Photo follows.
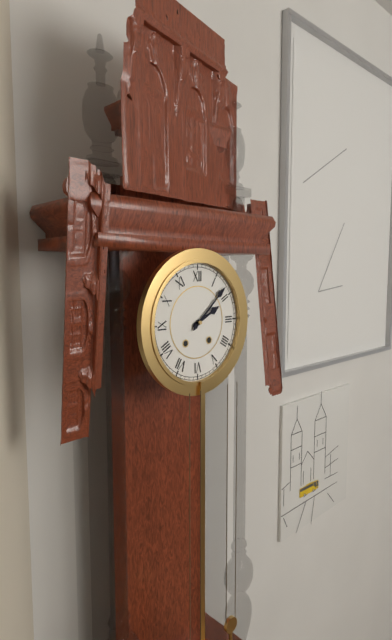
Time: 2h08
